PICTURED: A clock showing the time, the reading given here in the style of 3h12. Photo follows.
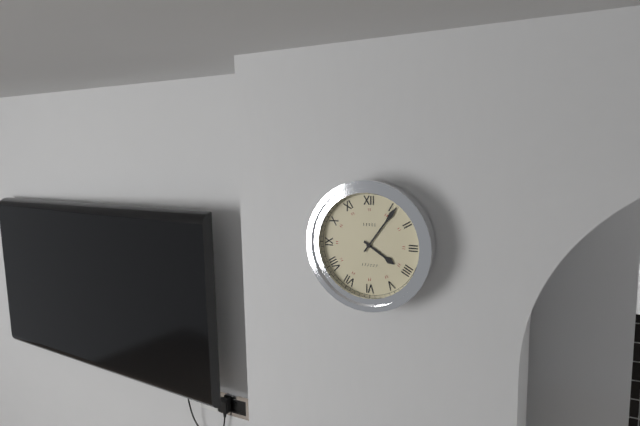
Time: 4h06
